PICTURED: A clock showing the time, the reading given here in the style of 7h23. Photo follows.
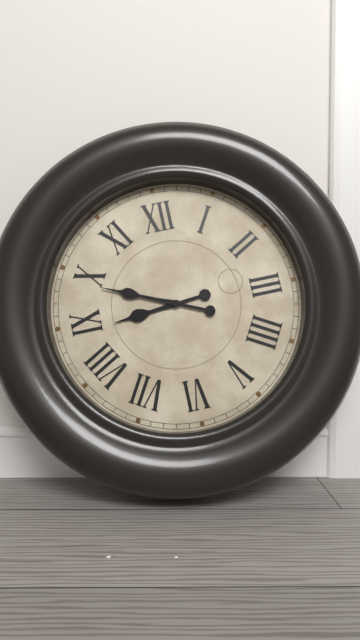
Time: 8h49
